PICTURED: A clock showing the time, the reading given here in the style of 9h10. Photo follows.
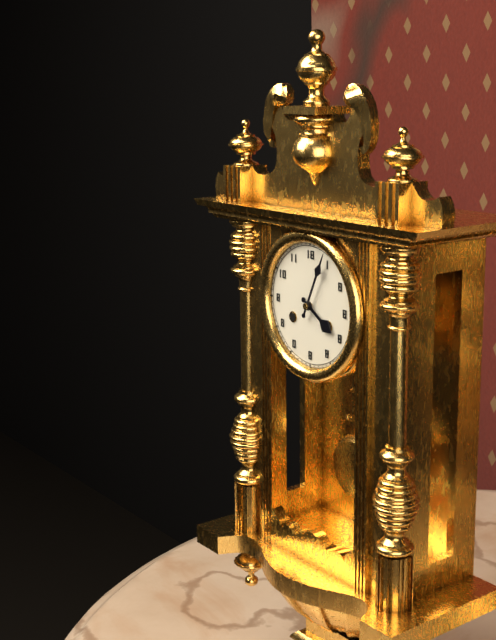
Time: 4h04
